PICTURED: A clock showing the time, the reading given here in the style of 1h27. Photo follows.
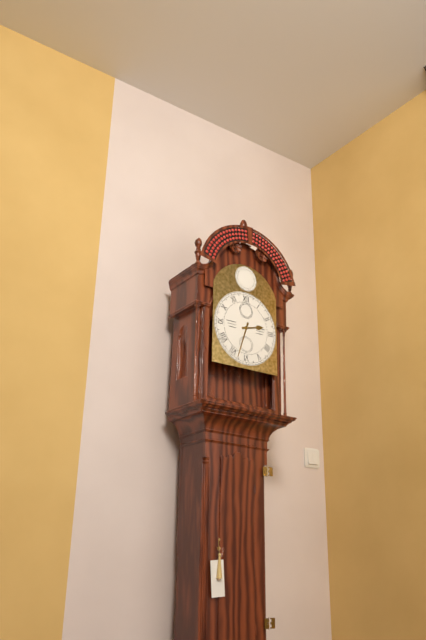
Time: 2h33
